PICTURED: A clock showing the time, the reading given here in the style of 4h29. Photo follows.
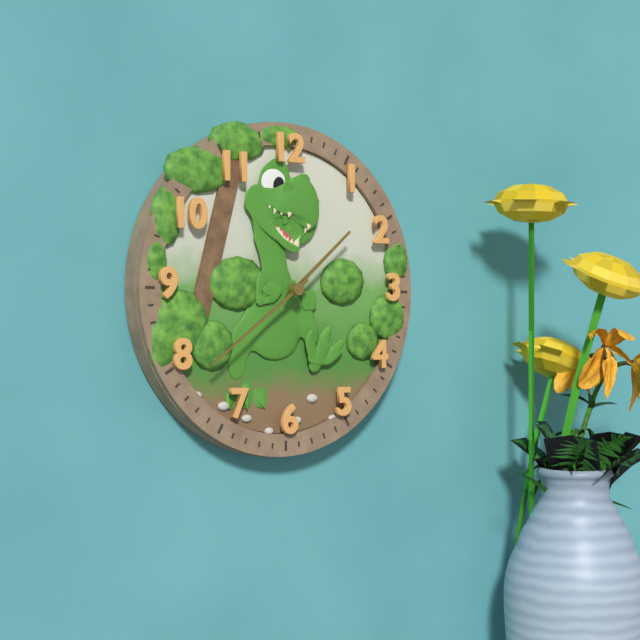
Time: 1h39
